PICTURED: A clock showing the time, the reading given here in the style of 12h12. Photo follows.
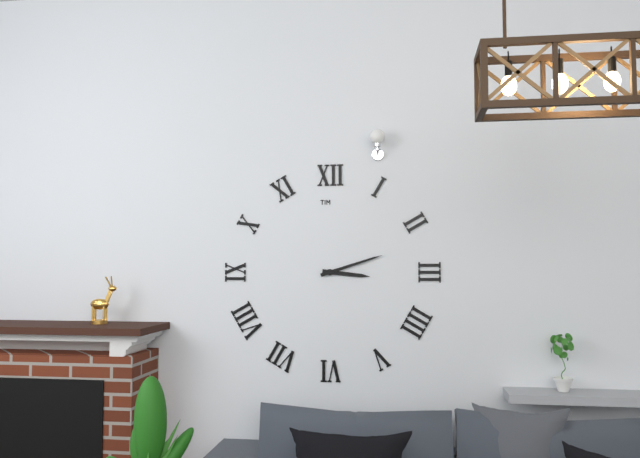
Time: 3h12
